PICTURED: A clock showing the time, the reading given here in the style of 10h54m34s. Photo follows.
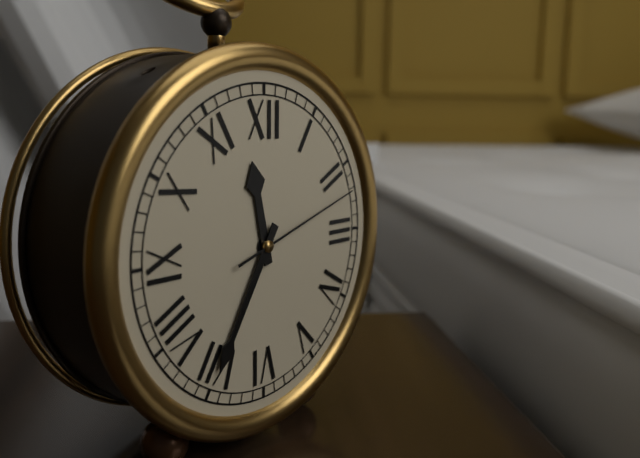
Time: 11h35m12s
